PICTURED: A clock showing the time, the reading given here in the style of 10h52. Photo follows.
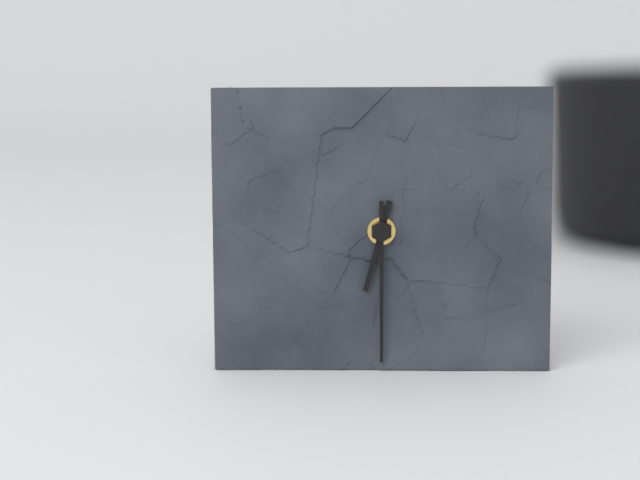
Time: 6h30
